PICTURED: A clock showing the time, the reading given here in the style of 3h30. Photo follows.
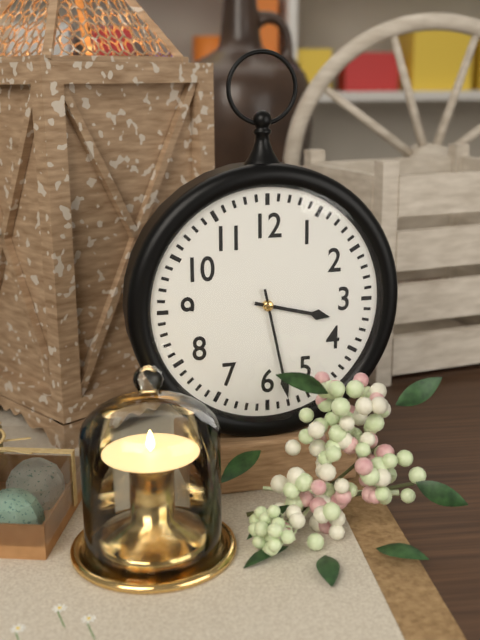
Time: 3h28
